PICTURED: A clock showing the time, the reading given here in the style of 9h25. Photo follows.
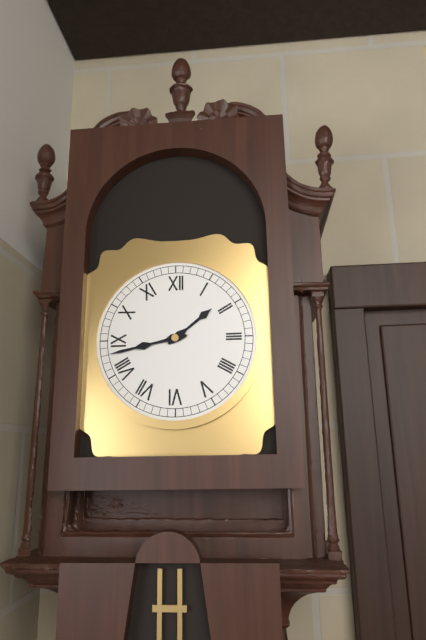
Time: 1h43
